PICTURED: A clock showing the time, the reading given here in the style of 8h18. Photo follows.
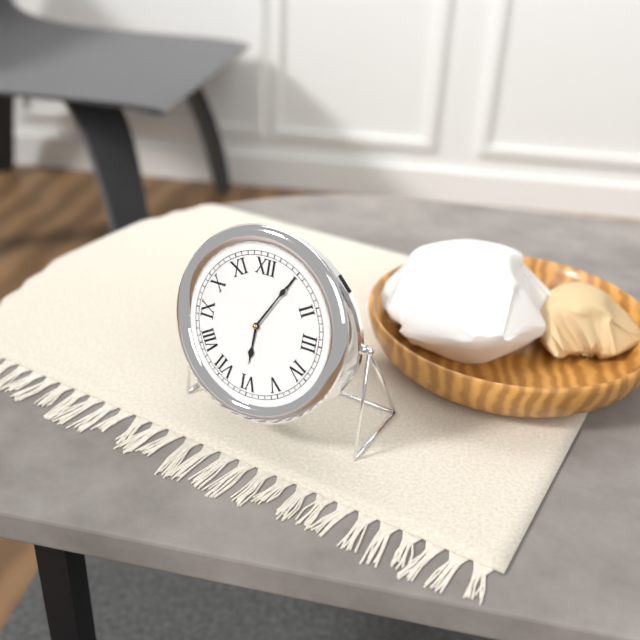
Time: 6h05
